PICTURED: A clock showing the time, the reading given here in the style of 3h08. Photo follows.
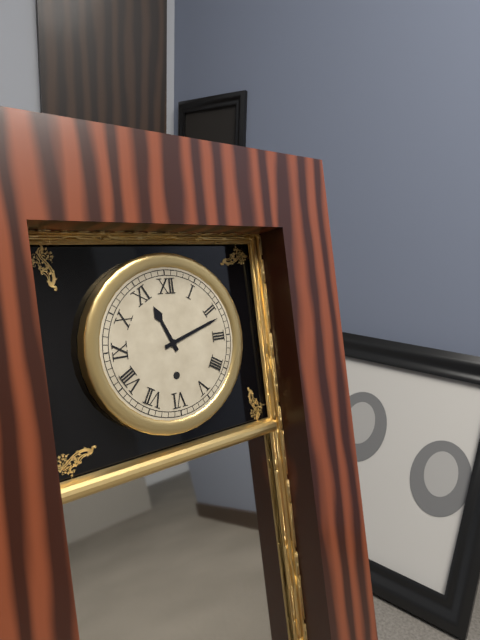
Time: 11h12
